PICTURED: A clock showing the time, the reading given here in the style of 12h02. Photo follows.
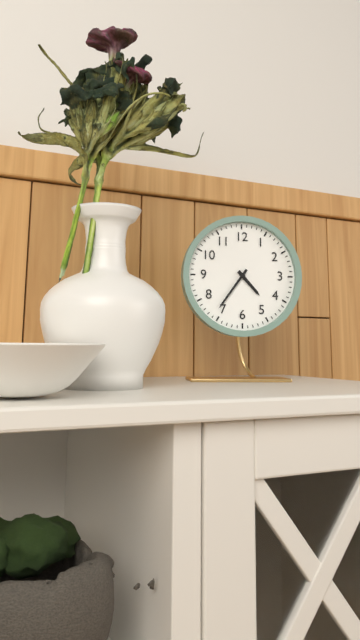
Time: 4h36
